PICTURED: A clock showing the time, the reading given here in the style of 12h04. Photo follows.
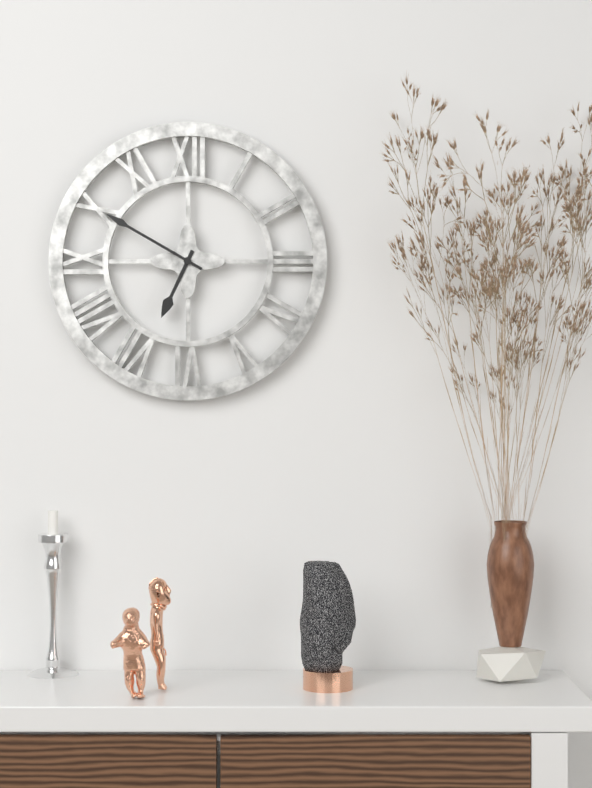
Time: 6h50
